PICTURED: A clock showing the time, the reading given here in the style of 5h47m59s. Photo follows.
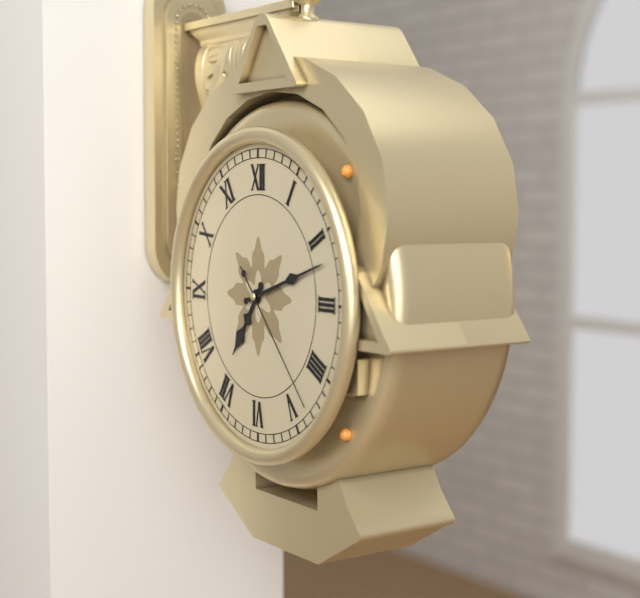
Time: 7h12m23s
